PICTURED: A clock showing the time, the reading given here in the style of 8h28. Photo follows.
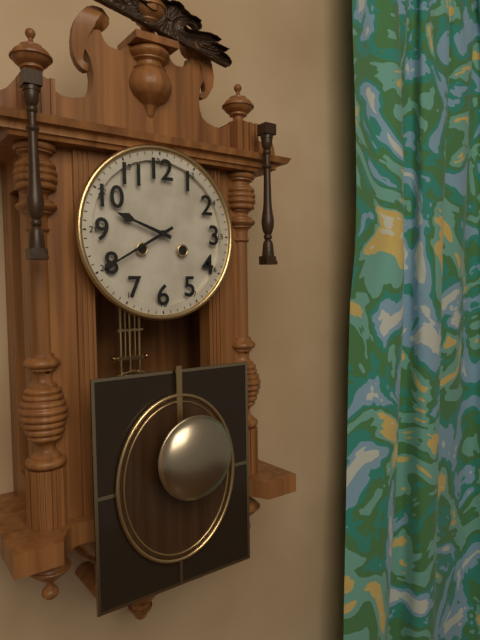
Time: 9h40
